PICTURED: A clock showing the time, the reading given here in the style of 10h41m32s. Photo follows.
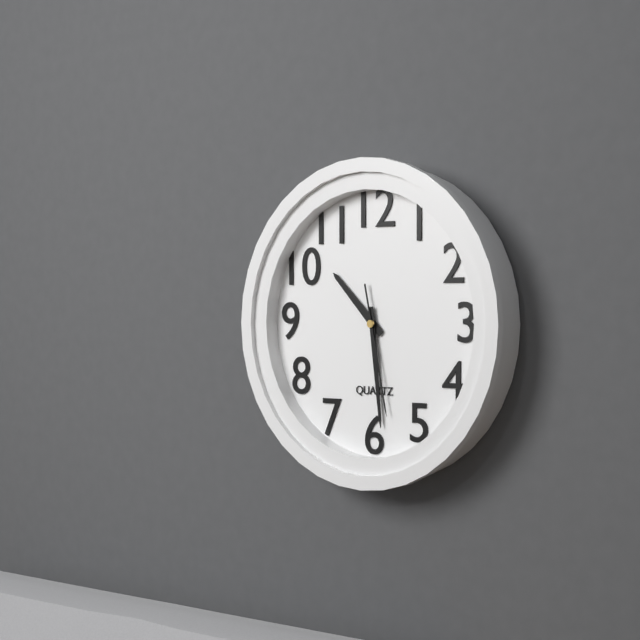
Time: 10h29m28s
